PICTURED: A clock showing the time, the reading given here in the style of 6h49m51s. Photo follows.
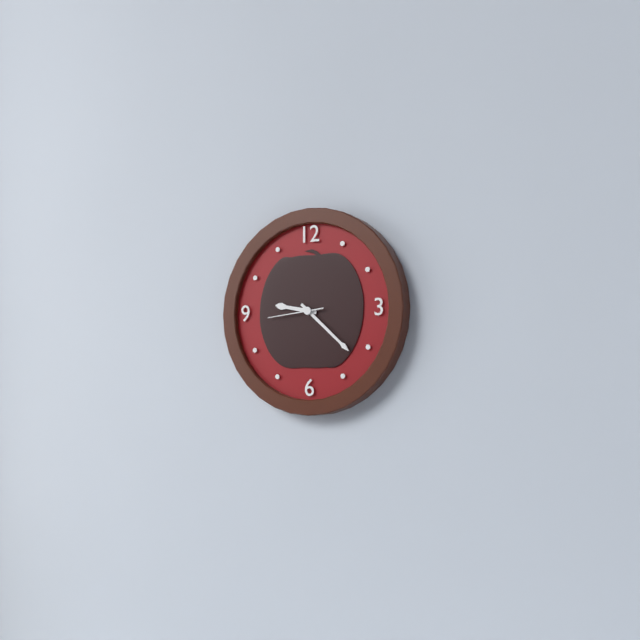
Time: 9h22m44s
